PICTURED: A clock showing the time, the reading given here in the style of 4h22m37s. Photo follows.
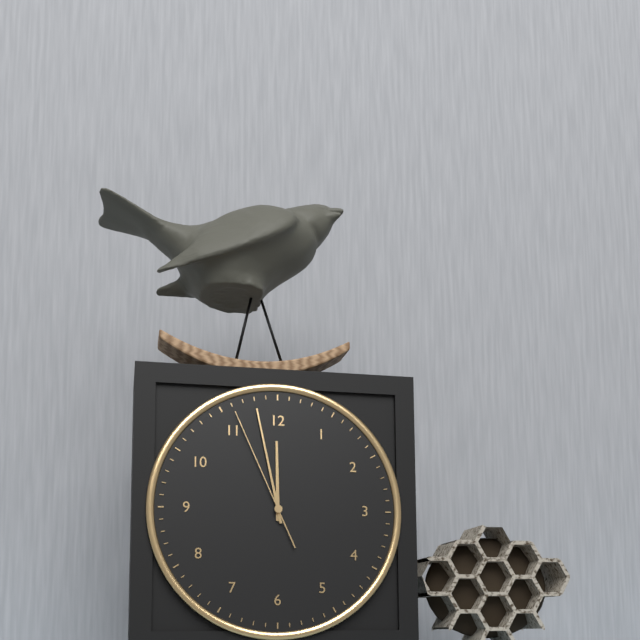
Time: 11h58m56s
